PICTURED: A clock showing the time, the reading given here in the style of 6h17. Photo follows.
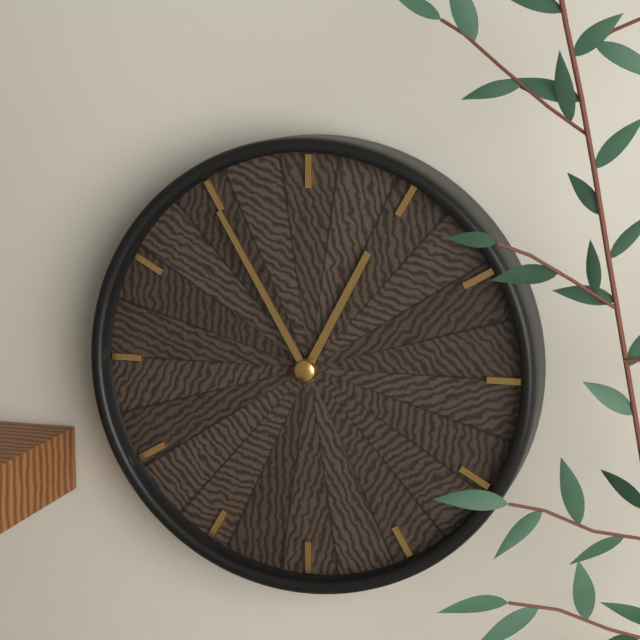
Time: 12h55
